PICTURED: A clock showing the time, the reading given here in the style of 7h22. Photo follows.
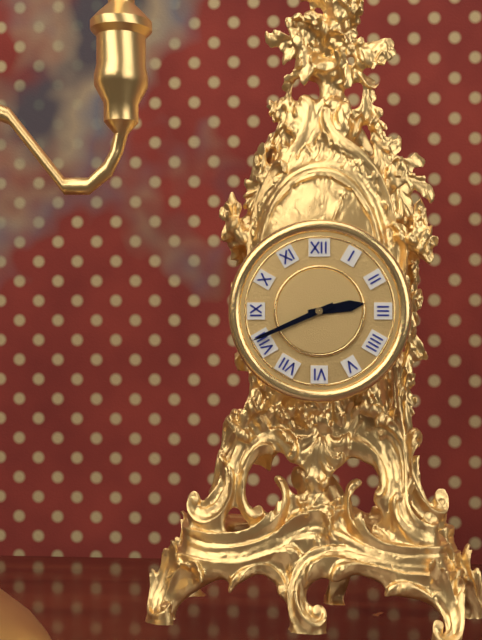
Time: 2h41
